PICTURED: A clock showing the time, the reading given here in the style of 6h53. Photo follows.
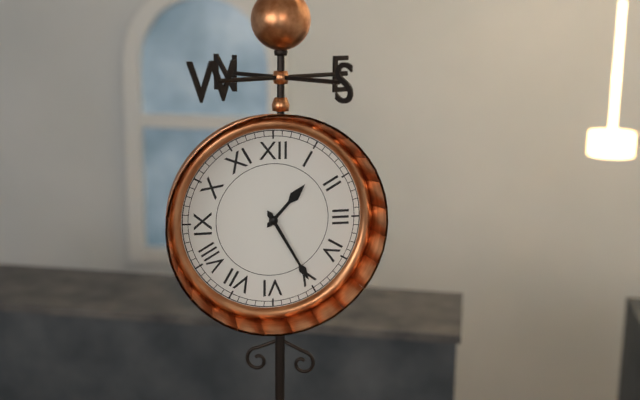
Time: 1h25
